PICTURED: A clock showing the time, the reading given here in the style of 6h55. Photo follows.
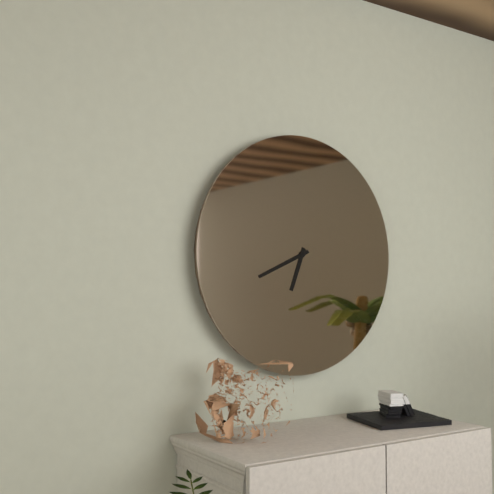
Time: 6h41
